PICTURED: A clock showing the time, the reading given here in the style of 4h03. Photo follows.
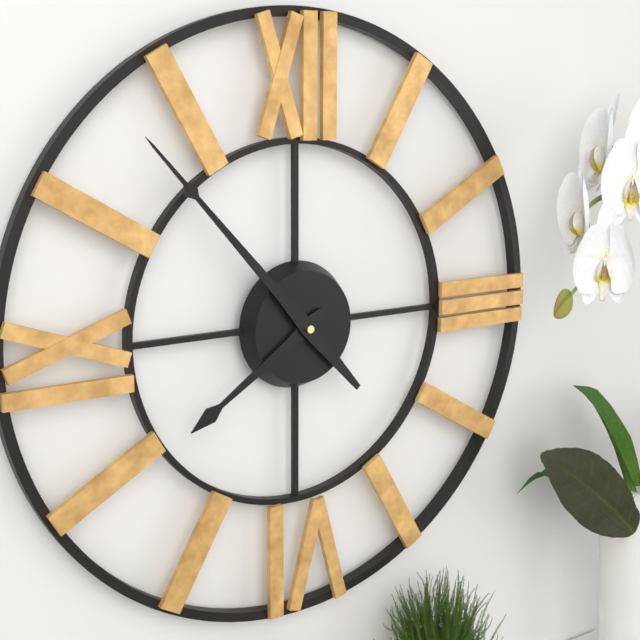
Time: 7h53
